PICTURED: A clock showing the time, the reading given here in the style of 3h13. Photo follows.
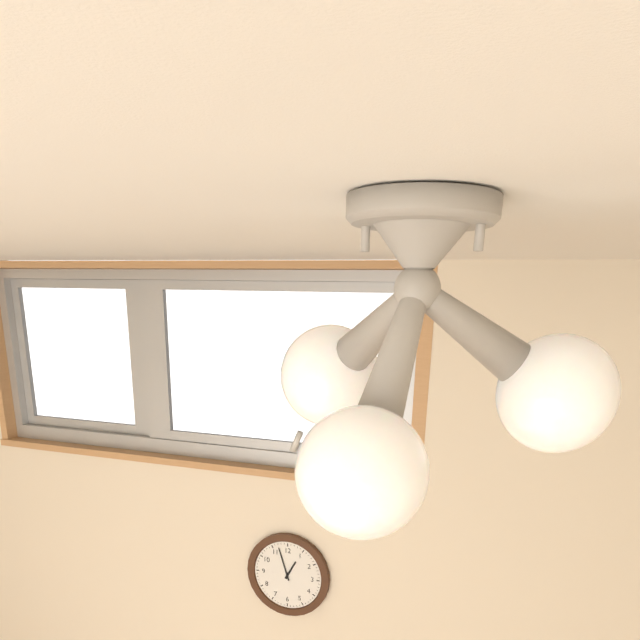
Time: 12h57
